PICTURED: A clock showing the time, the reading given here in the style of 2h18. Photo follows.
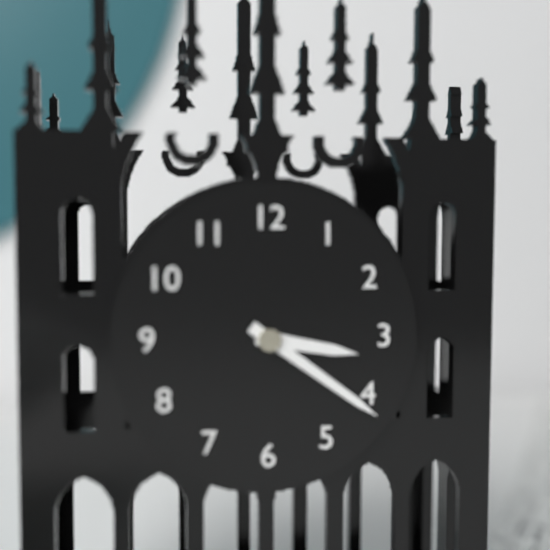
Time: 3h21
